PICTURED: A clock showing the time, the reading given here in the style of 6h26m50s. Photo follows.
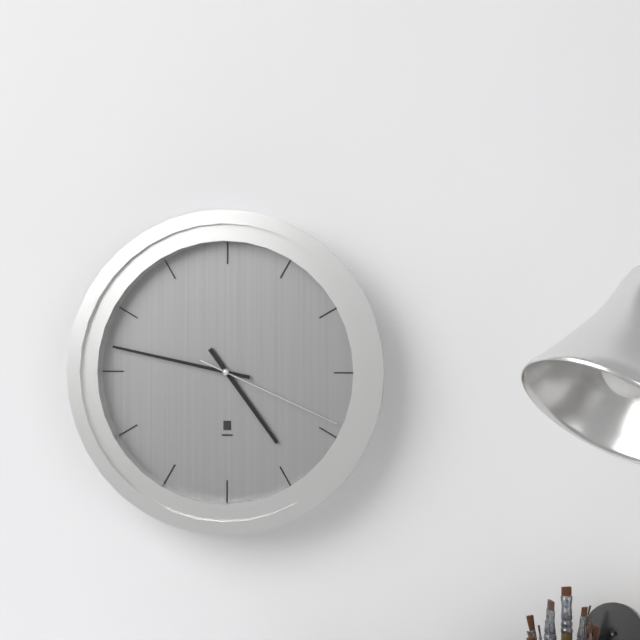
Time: 4h47m19s
